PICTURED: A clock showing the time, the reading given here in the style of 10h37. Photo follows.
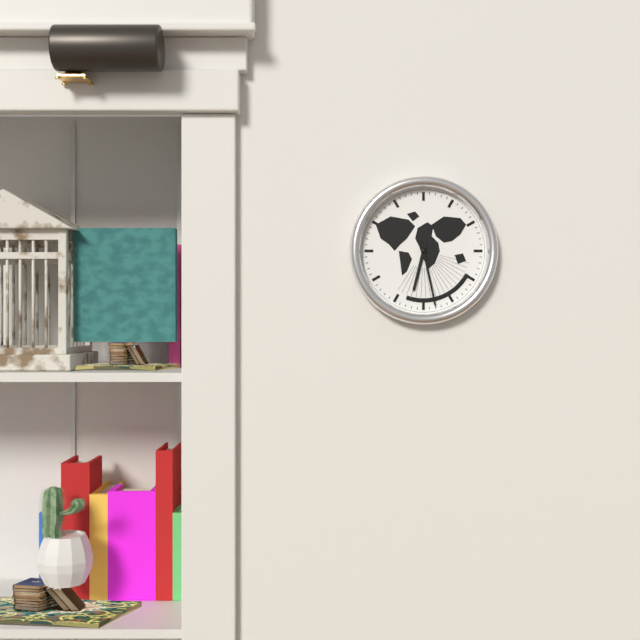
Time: 6h28
